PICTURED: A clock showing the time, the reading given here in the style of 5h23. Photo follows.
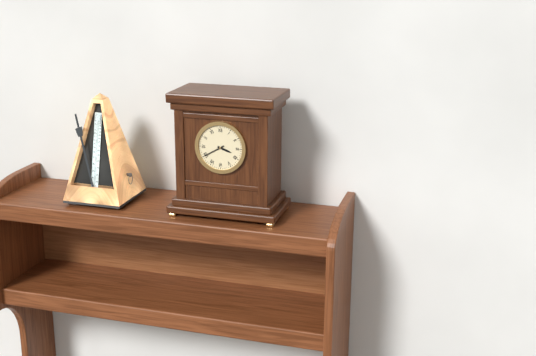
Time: 3h40
